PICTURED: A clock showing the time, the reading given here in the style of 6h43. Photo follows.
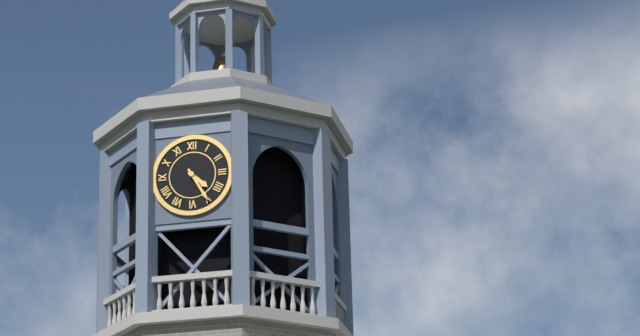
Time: 4h25
